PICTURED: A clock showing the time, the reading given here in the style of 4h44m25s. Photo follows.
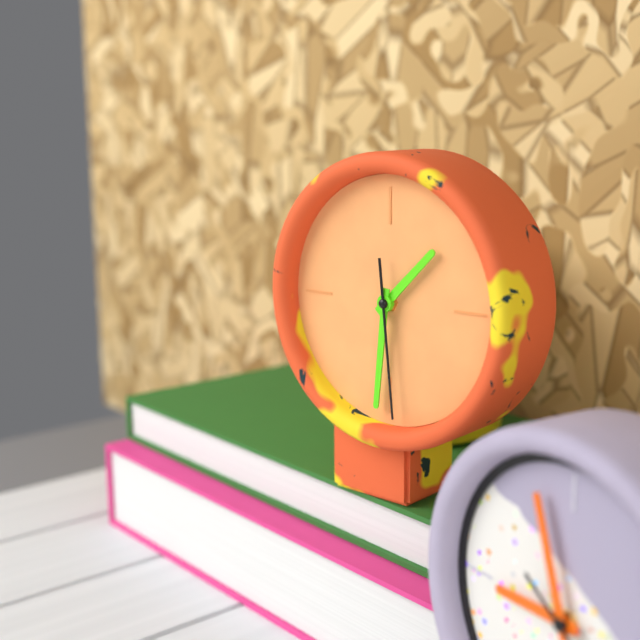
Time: 1h31m29s
